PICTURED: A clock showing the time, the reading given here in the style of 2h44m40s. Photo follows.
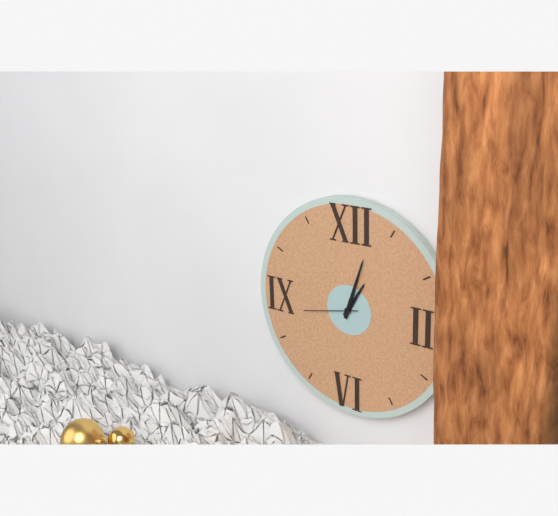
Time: 1h03m43s
